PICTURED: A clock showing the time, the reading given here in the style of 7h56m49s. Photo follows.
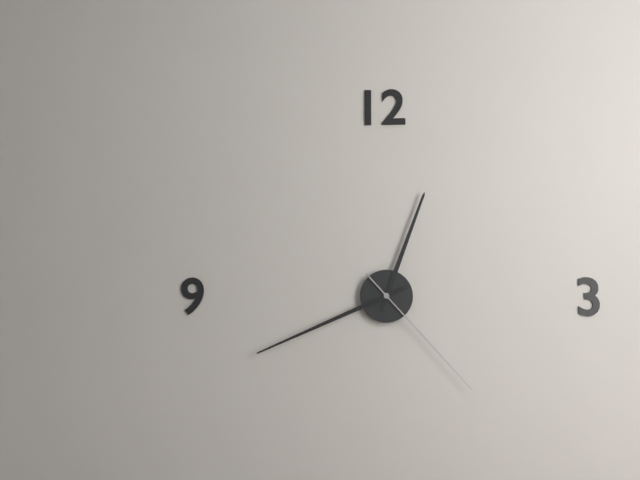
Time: 12h41m23s
